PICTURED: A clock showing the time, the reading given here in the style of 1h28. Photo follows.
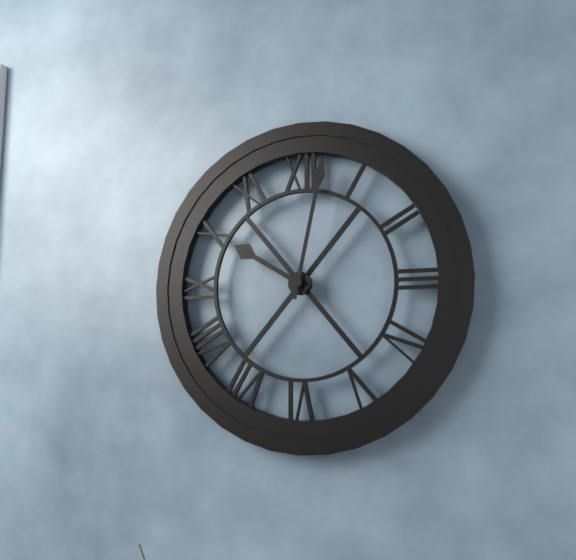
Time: 10h02
